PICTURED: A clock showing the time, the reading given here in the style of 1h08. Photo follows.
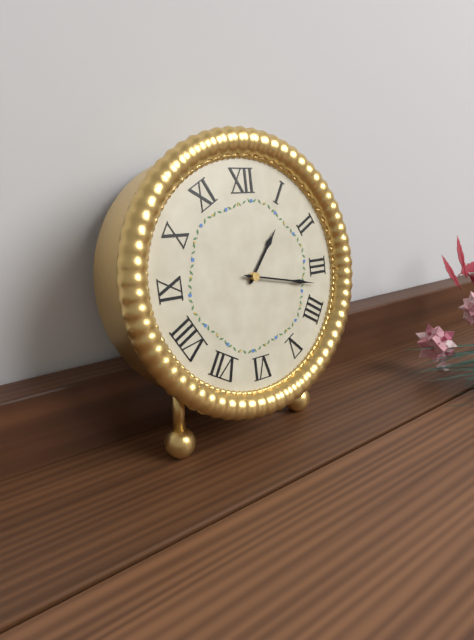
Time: 1h17
